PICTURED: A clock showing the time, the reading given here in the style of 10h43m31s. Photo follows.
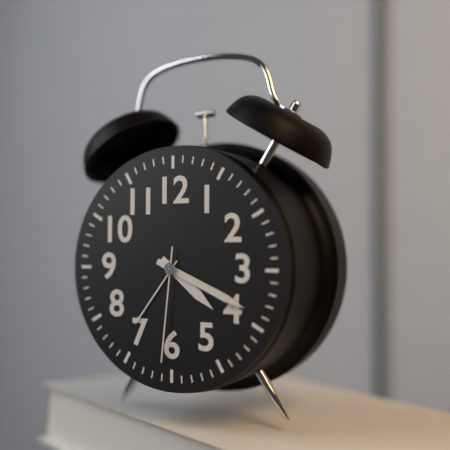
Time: 4h19m31s
